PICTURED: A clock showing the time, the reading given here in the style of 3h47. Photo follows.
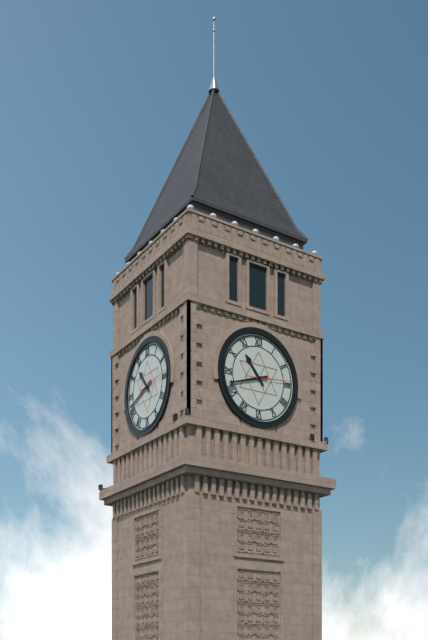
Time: 10h42
